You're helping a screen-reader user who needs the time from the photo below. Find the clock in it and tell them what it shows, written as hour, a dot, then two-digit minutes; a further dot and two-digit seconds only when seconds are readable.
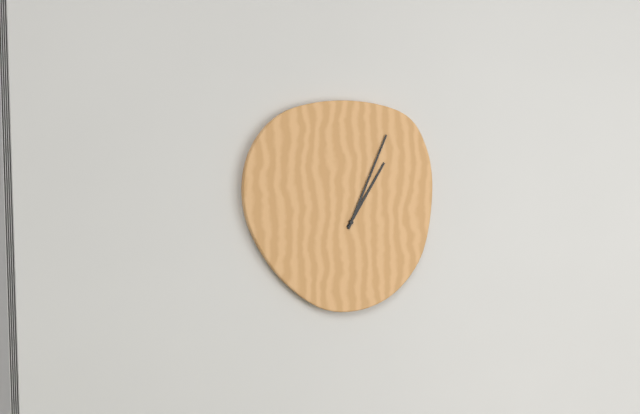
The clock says 1.04
